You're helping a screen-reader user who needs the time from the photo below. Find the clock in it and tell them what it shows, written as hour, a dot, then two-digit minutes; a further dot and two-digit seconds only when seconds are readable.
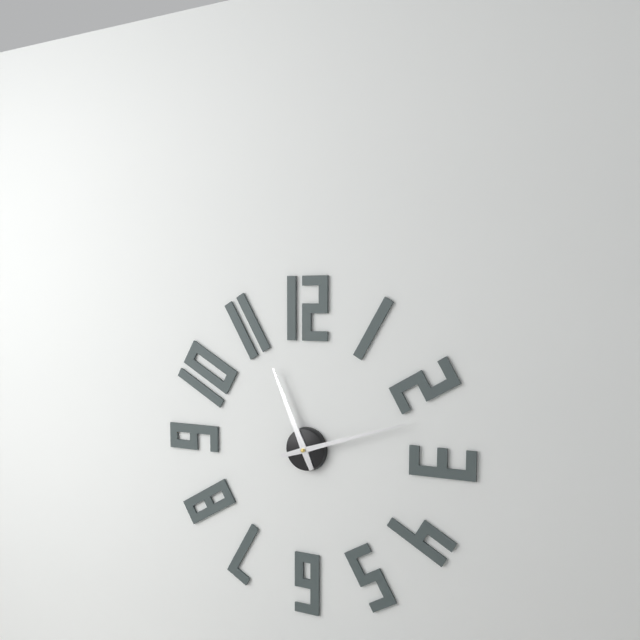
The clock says 11.12
